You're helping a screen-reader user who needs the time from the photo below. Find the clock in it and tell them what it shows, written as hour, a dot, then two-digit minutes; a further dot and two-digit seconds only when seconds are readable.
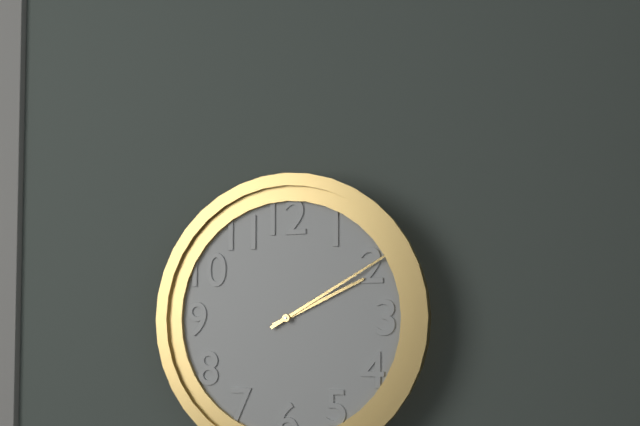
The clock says 2.10
